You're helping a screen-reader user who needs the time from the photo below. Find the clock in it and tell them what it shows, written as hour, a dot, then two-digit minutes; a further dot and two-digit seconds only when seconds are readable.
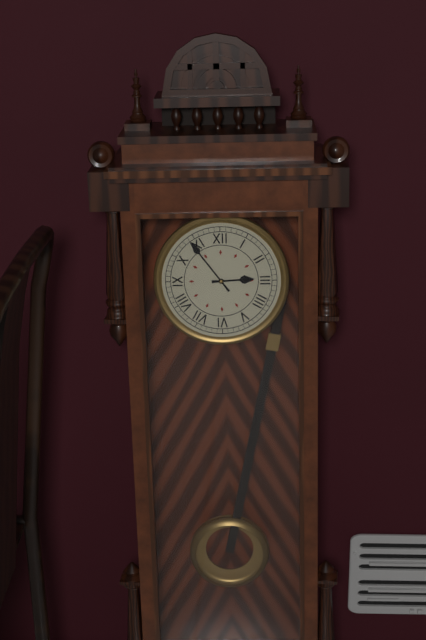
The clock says 2.54
